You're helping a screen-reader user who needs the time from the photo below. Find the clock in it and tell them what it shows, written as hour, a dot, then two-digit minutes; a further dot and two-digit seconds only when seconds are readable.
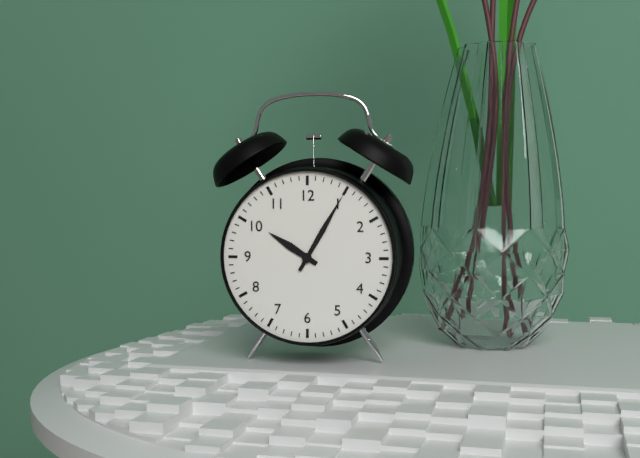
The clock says 10.05
